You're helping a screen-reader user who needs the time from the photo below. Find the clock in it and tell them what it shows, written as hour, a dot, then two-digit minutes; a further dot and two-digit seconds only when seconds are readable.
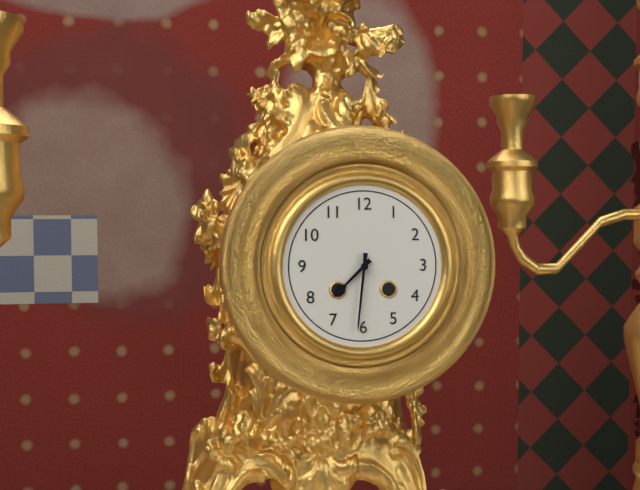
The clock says 7.31
